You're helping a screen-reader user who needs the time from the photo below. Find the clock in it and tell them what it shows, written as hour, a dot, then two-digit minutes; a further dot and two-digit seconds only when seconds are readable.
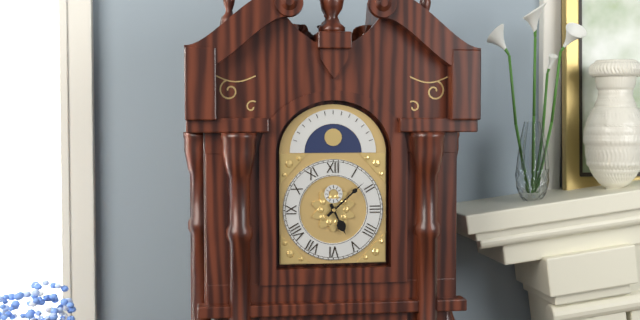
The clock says 5.08
